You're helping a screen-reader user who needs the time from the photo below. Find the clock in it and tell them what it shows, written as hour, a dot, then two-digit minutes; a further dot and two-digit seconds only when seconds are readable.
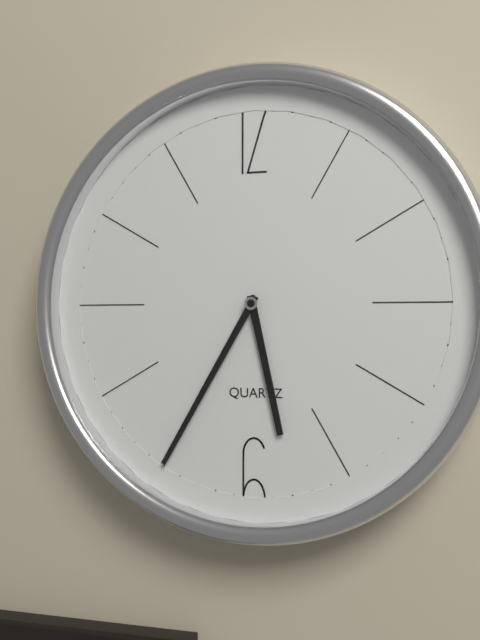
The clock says 5.35
